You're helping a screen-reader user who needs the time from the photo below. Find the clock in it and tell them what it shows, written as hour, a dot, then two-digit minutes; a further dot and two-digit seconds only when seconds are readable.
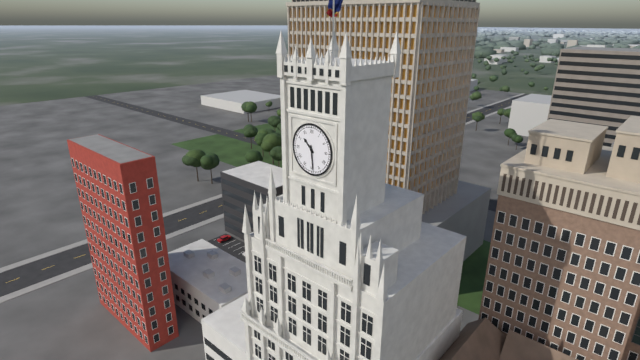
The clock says 10.29
